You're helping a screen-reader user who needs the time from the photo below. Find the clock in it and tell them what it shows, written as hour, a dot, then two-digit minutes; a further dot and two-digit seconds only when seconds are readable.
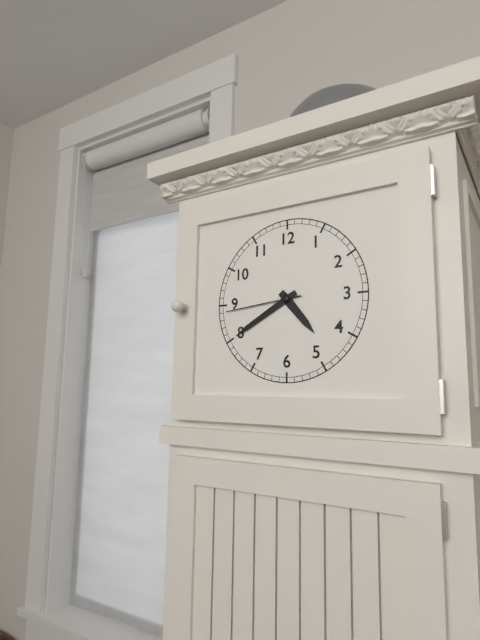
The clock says 4.40.44
